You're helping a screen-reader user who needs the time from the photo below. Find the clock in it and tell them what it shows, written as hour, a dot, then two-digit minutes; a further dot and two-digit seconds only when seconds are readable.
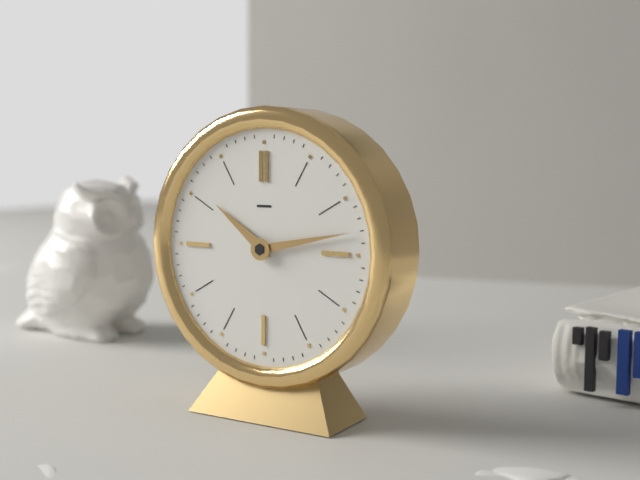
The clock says 10.13
